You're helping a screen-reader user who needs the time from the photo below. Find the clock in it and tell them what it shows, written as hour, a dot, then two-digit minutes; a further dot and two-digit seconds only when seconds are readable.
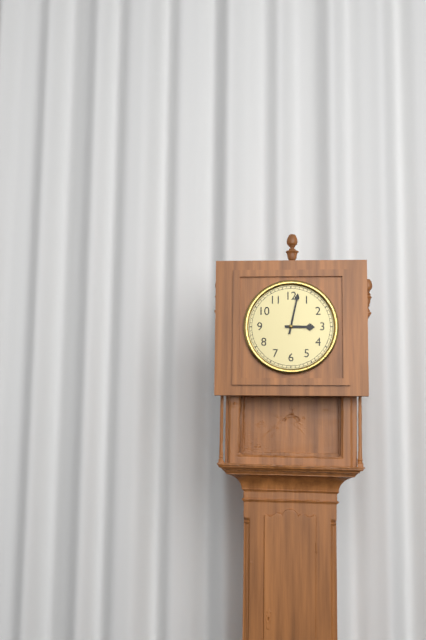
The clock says 3.02
